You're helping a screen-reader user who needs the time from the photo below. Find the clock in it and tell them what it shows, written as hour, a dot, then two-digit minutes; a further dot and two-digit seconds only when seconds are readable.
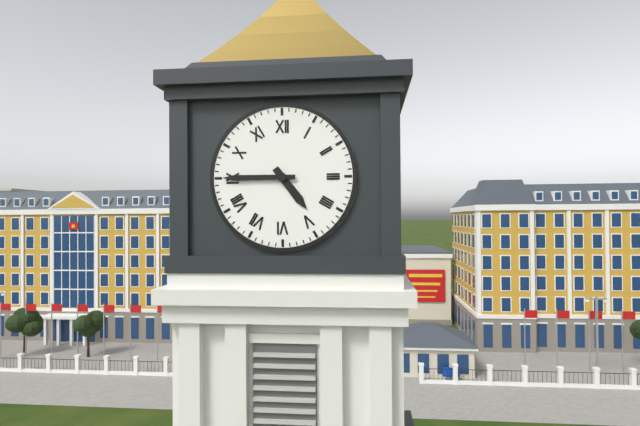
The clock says 4.45
